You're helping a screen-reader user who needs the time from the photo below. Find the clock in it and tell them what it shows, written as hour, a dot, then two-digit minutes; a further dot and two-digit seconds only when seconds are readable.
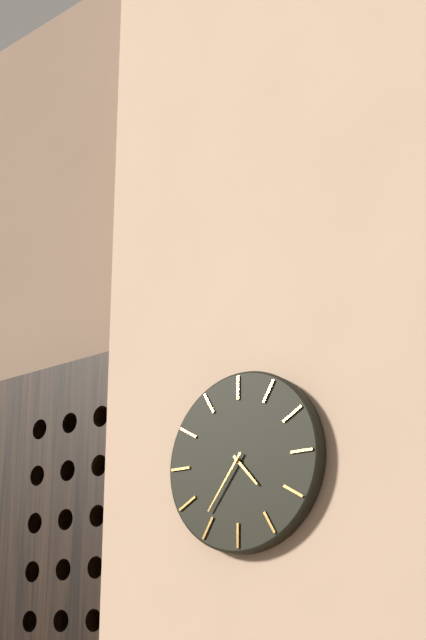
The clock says 4.36
